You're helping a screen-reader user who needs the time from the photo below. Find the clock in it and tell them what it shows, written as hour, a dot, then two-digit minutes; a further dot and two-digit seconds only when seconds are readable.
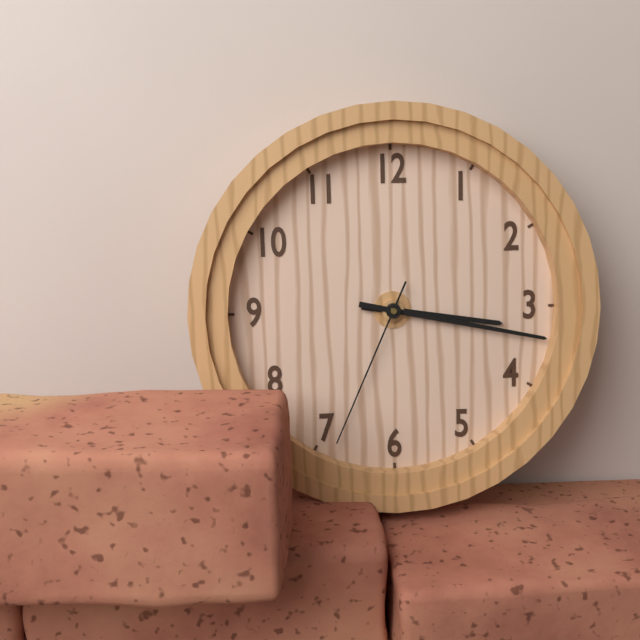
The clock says 3.17.34
